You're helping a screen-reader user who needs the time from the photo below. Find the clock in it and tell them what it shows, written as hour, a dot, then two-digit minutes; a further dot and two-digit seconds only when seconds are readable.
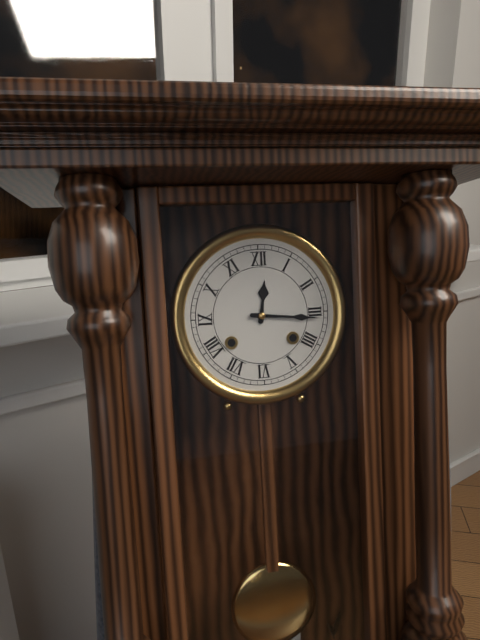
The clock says 12.16
